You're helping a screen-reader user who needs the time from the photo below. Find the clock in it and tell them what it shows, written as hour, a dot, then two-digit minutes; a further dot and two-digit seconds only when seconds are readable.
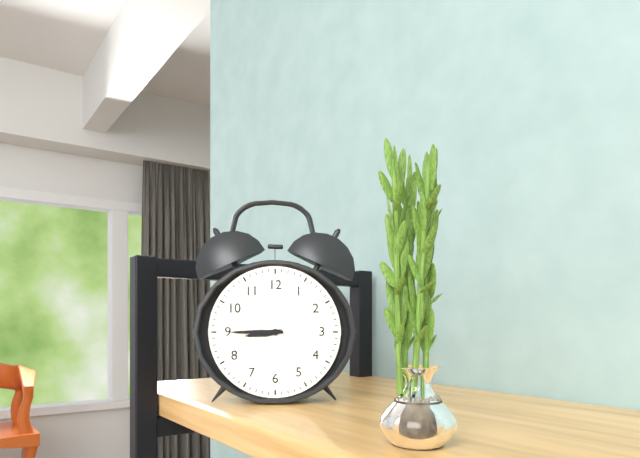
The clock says 8.45
